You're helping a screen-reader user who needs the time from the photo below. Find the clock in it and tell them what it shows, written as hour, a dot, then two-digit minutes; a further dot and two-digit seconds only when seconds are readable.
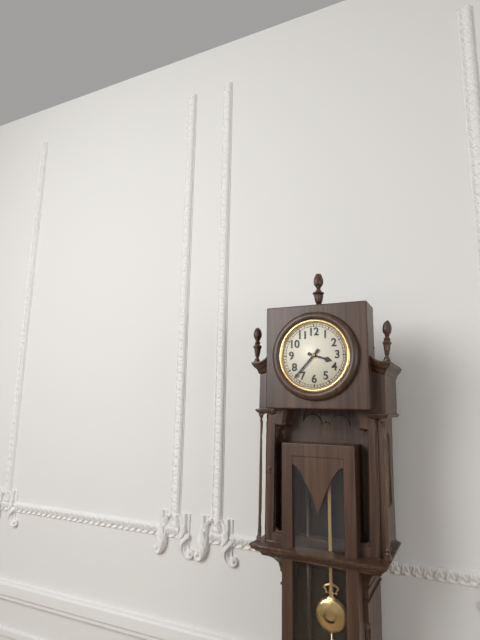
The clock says 3.37
